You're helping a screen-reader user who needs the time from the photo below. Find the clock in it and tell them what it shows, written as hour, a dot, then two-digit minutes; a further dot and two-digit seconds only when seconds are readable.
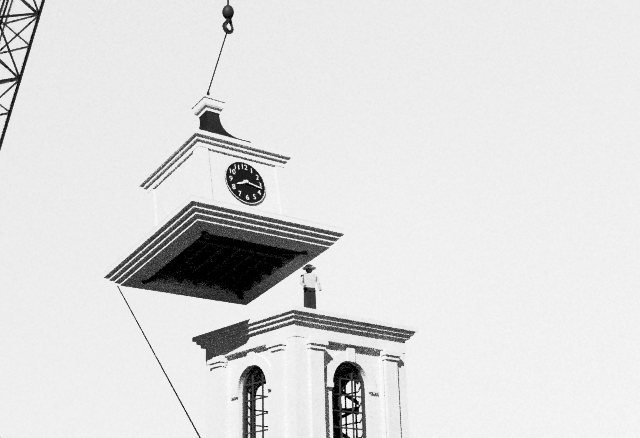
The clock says 8.17
